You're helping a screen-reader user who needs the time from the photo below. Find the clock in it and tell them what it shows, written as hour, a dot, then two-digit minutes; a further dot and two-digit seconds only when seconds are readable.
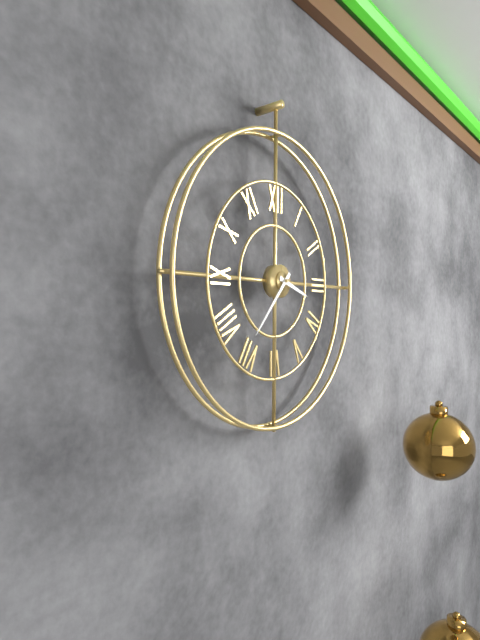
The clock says 3.37
